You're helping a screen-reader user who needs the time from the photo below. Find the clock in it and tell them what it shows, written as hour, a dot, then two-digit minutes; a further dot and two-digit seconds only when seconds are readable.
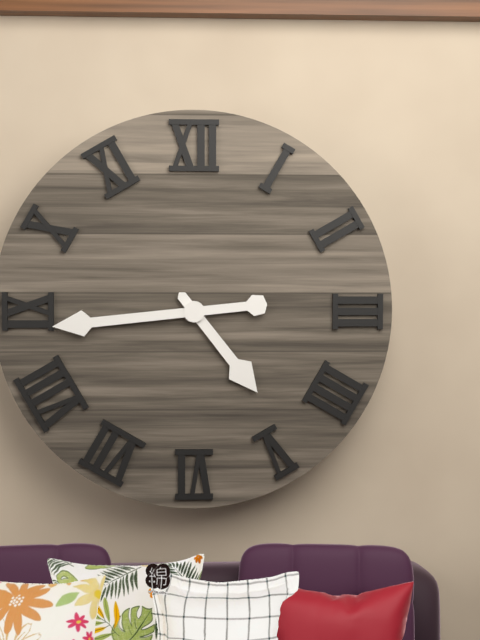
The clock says 4.44
